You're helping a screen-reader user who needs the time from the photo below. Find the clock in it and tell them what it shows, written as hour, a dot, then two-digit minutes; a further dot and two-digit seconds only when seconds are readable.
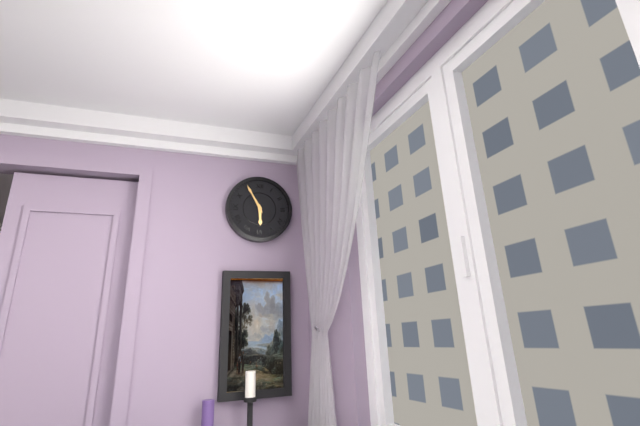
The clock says 5.55
